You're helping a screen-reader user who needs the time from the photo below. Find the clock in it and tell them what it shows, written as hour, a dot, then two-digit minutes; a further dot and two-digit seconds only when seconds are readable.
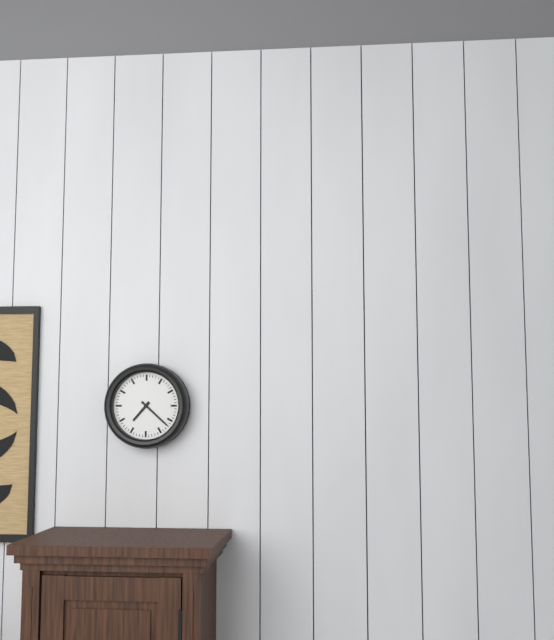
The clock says 7.22
